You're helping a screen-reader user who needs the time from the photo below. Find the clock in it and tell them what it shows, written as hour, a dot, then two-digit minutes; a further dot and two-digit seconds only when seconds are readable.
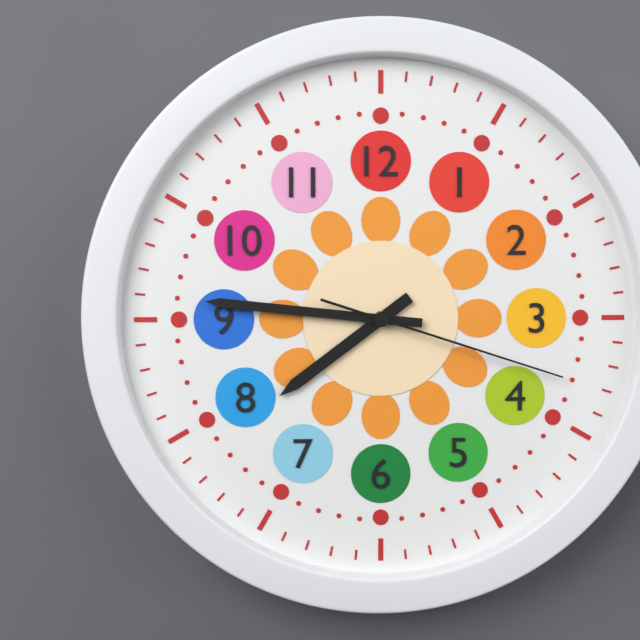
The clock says 7.46.18
